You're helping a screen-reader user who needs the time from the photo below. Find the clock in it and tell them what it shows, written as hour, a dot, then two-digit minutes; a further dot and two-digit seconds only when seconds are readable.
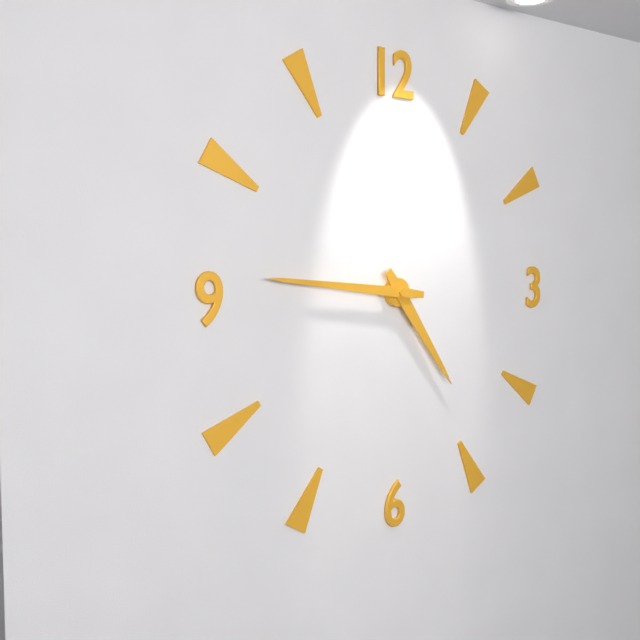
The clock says 4.46
